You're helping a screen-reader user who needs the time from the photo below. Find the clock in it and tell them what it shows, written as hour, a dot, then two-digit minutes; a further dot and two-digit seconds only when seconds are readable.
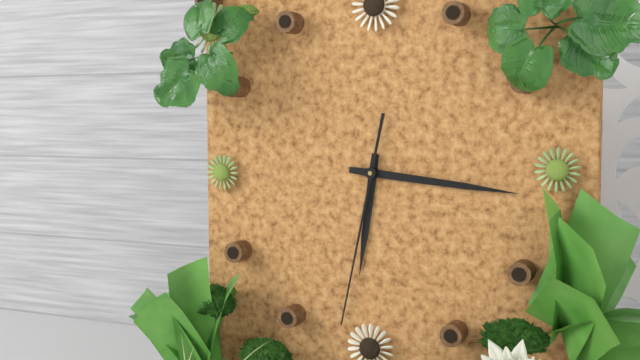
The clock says 6.16.32
